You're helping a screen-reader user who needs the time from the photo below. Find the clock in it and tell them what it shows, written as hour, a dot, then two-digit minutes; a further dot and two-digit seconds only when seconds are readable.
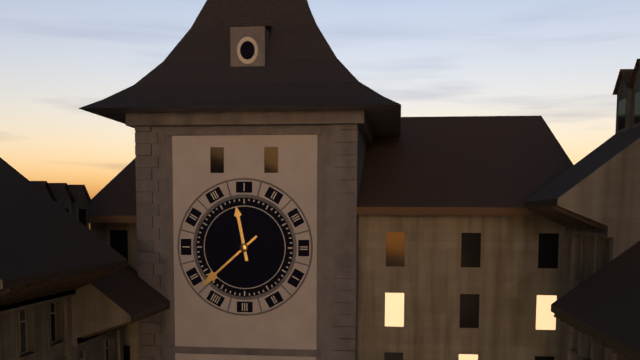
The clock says 11.38
